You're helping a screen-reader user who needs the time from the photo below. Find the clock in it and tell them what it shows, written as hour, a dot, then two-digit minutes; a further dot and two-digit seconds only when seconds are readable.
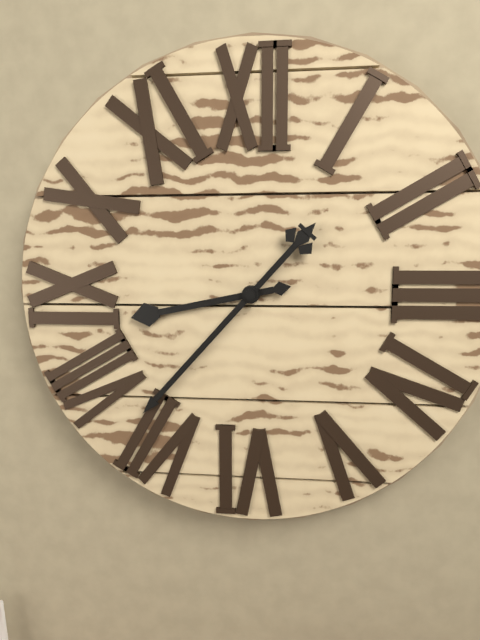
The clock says 8.37
